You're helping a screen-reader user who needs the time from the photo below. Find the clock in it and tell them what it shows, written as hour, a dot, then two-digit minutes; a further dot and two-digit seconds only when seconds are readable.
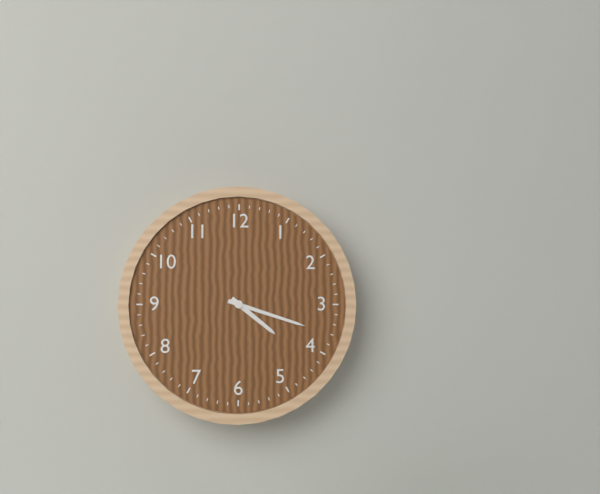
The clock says 4.18
